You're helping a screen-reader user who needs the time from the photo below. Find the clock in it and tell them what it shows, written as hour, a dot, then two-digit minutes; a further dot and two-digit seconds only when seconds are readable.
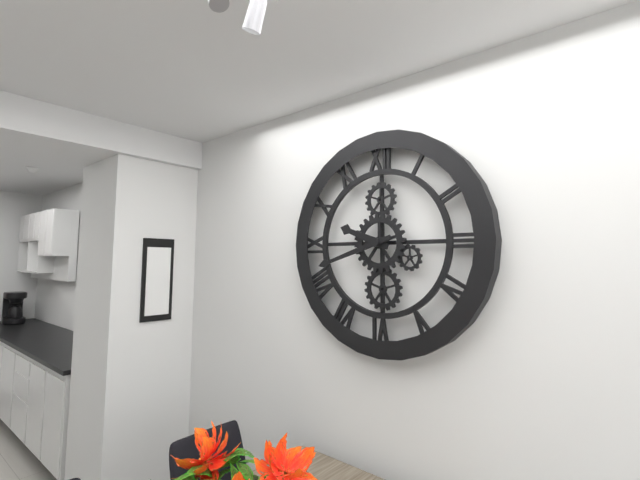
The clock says 9.42
